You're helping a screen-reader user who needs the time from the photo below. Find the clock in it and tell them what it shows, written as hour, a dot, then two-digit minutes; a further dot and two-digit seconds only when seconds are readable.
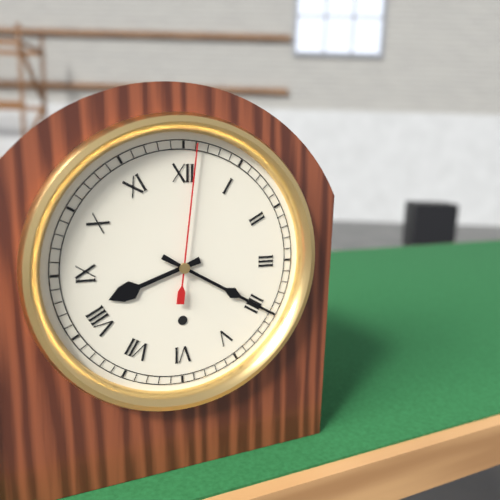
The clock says 8.20.01
